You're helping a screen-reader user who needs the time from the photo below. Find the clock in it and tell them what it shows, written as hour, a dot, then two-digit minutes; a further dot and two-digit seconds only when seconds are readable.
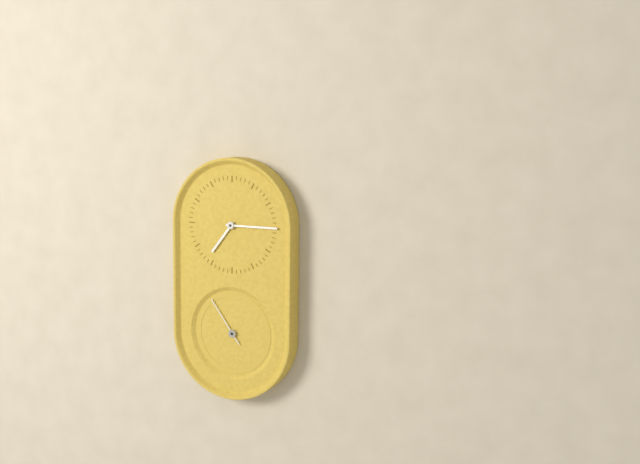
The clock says 7.15.54
